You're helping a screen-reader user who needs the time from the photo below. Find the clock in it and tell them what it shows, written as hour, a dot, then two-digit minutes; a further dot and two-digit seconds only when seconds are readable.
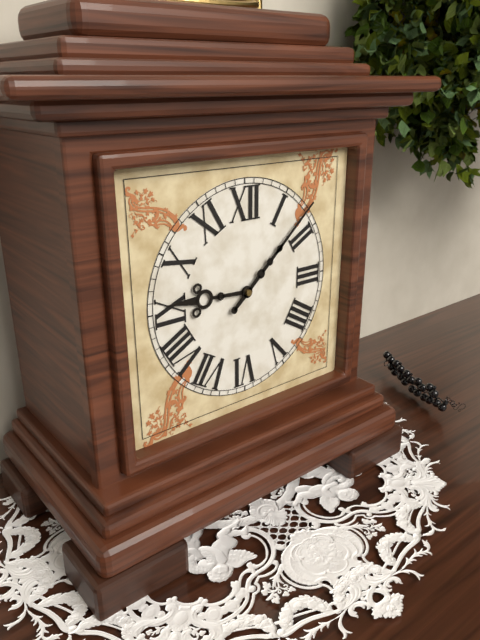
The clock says 9.08
